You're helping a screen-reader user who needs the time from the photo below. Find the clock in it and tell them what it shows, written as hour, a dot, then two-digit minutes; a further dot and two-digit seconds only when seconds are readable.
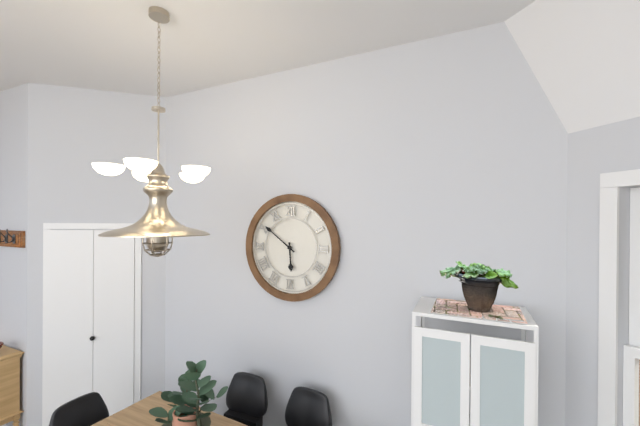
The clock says 5.51
